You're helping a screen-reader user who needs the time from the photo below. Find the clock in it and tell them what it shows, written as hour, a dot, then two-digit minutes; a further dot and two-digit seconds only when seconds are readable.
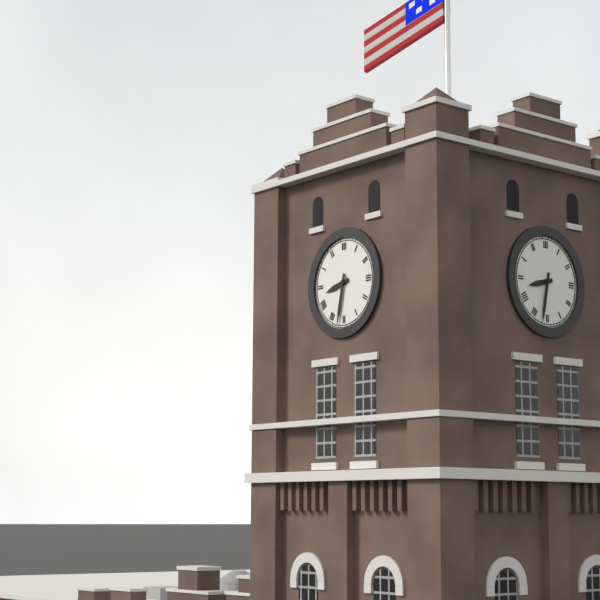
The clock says 8.32
